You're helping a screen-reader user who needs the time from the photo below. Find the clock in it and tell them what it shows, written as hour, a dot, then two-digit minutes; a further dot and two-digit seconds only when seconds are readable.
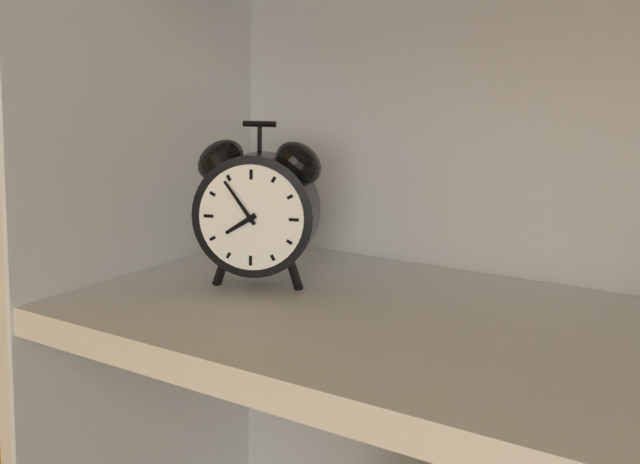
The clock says 7.54
